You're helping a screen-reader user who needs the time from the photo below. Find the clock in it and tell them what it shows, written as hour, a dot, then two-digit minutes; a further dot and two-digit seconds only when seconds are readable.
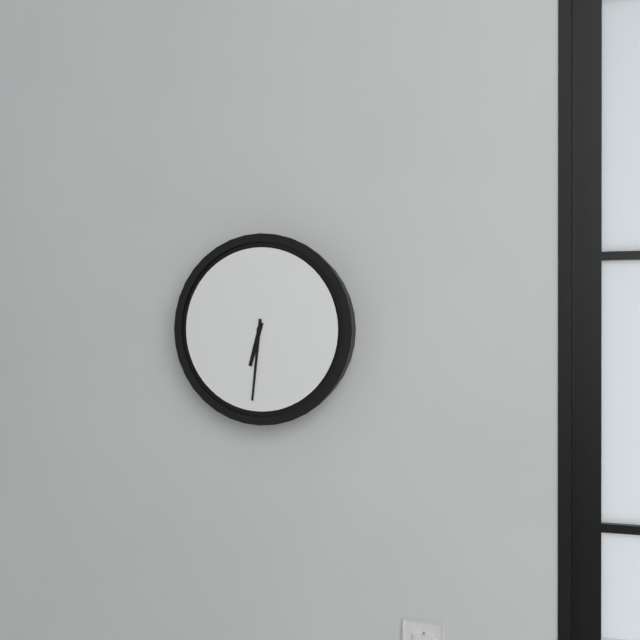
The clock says 6.31
